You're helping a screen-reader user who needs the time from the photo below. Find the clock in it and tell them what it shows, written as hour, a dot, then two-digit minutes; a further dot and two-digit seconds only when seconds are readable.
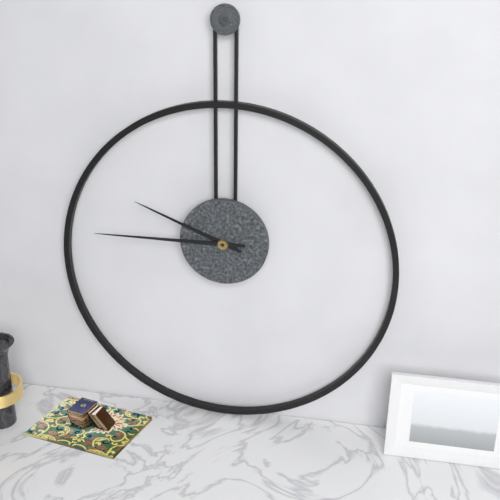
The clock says 9.45
